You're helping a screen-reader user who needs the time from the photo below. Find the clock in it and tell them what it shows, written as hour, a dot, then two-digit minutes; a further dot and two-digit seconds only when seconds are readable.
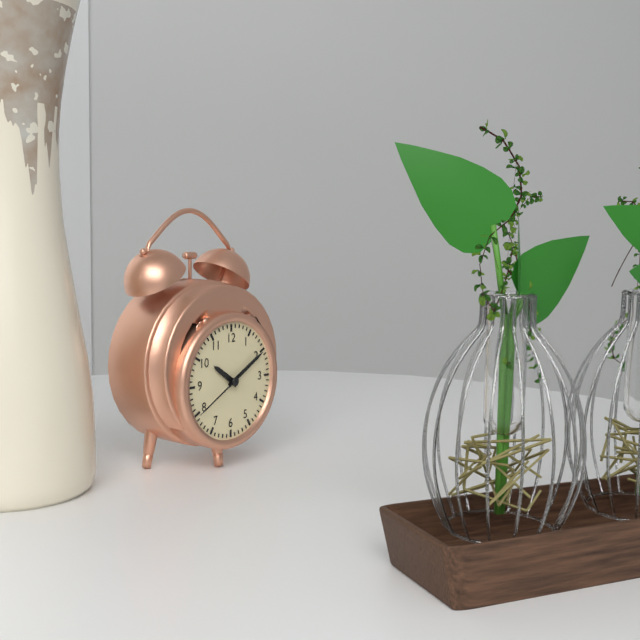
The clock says 10.10.40
